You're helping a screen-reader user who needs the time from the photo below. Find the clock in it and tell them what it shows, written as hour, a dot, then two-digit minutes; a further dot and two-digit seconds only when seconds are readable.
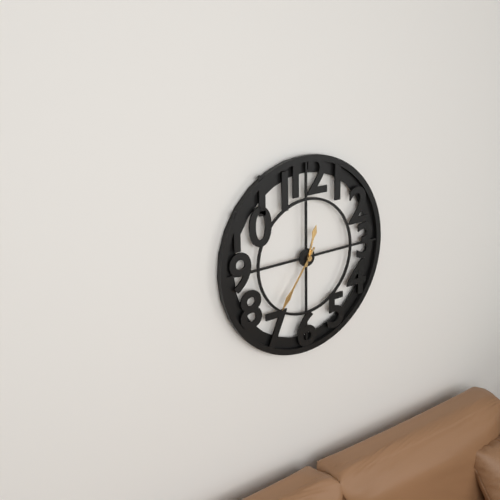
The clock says 12.36
